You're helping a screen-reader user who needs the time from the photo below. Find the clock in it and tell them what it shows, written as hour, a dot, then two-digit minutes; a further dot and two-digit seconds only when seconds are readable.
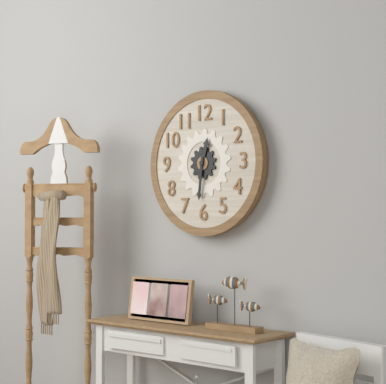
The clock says 12.31
